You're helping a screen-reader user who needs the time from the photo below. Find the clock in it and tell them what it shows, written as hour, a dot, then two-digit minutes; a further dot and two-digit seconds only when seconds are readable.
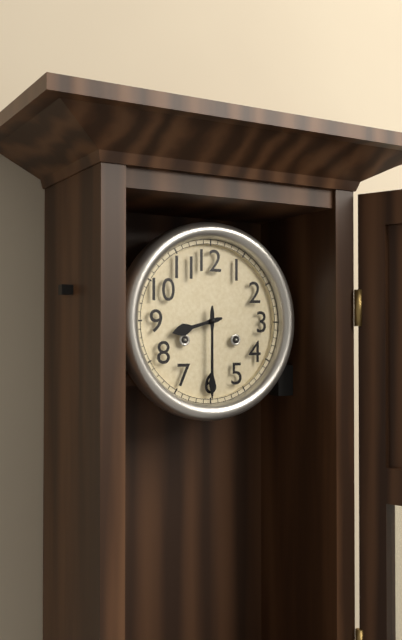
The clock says 8.30
